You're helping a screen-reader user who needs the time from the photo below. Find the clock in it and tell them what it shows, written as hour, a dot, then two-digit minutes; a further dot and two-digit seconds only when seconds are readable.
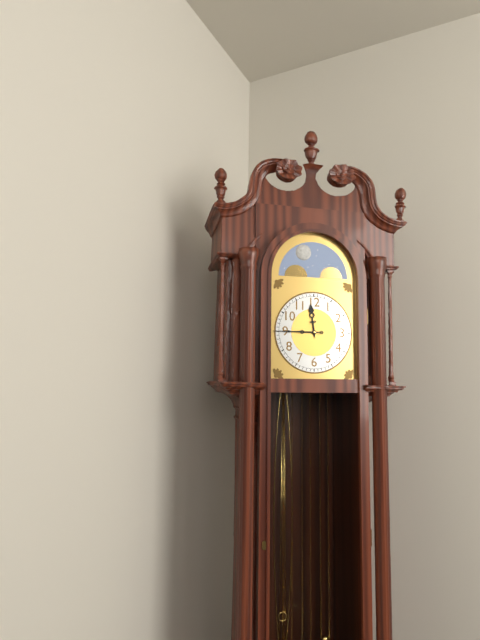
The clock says 11.45
